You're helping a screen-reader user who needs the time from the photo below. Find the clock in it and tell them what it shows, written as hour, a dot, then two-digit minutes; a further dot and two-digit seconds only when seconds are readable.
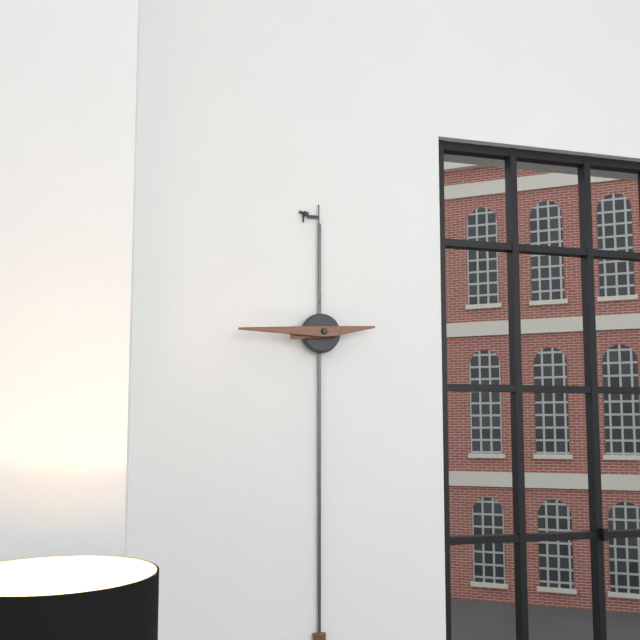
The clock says 2.45
